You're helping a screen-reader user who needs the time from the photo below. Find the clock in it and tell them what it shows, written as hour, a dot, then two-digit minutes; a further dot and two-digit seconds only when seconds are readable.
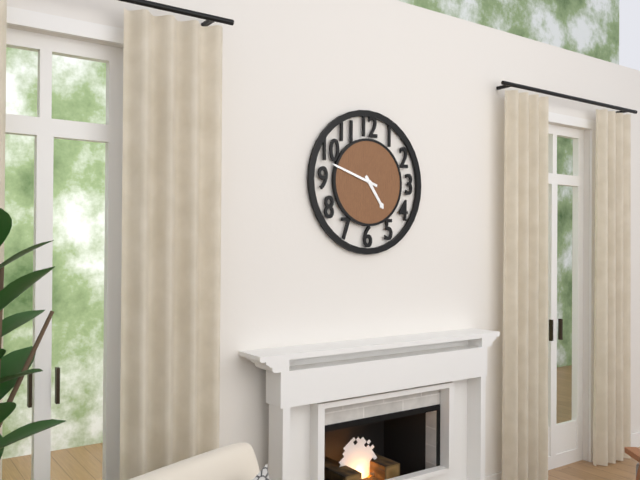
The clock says 4.48
